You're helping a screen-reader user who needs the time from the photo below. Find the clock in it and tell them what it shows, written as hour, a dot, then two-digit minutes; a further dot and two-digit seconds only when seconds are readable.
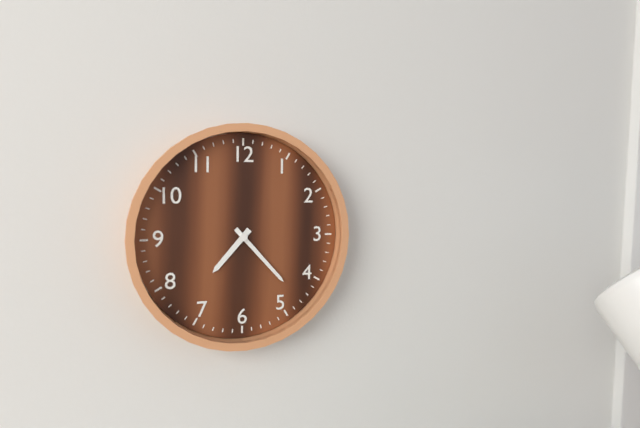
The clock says 7.23
